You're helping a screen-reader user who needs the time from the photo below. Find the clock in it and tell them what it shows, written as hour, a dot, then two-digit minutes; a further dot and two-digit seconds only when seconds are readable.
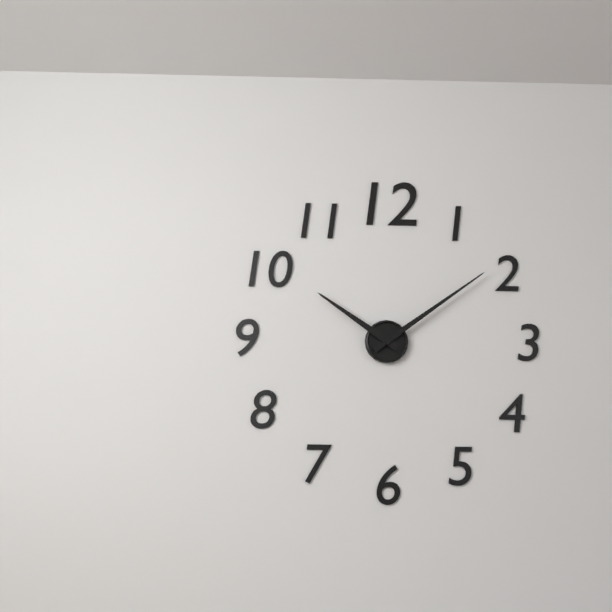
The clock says 10.09
